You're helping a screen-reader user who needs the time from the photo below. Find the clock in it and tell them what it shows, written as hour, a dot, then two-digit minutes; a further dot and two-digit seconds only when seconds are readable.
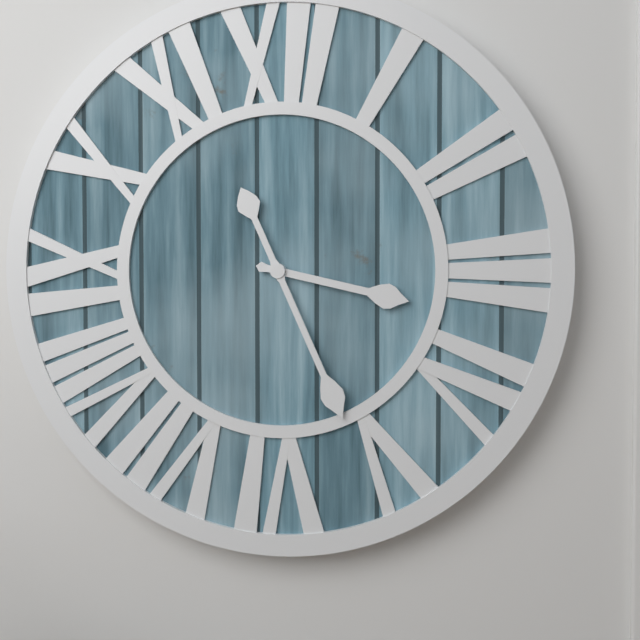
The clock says 3.26
